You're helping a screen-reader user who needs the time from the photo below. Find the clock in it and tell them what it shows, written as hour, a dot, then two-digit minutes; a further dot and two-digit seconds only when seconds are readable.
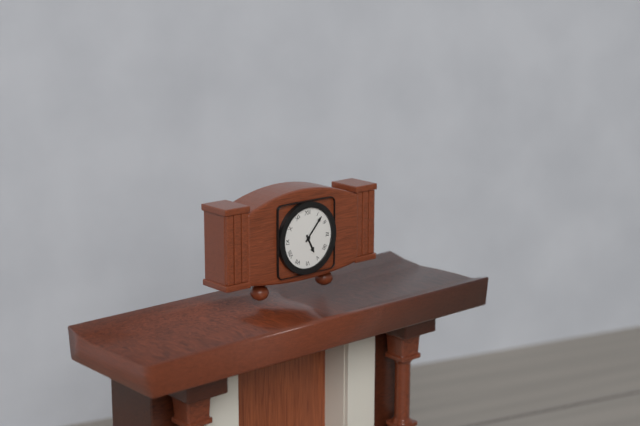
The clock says 5.07
